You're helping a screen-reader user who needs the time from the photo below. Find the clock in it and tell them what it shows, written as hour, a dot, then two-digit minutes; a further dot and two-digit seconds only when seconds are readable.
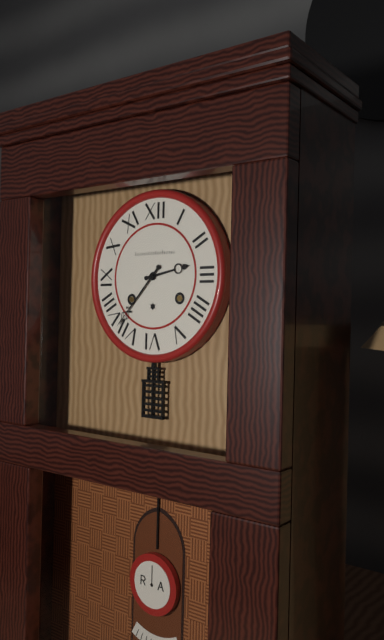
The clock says 2.37
